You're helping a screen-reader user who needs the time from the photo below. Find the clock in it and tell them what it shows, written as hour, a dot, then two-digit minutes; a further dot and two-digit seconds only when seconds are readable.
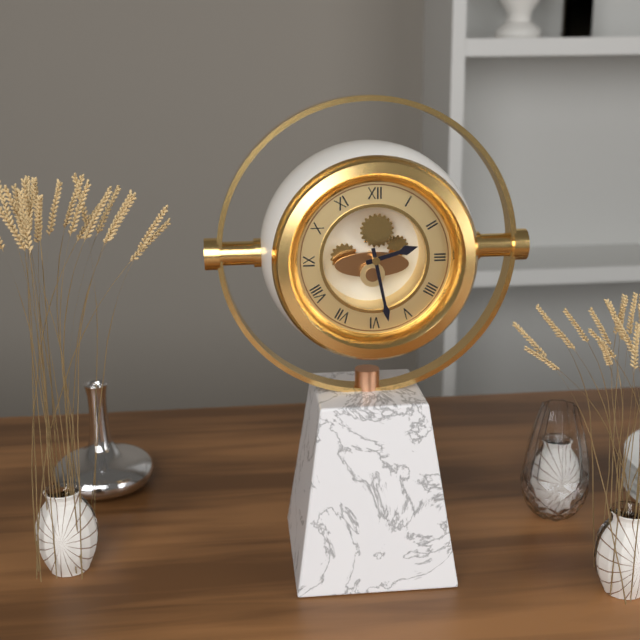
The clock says 2.28
